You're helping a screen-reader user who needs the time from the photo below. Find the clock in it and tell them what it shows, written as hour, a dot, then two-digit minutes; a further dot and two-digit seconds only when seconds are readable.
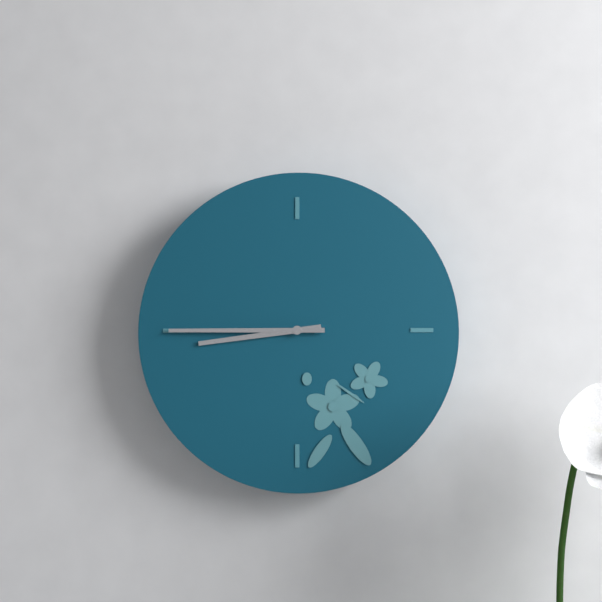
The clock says 8.45
